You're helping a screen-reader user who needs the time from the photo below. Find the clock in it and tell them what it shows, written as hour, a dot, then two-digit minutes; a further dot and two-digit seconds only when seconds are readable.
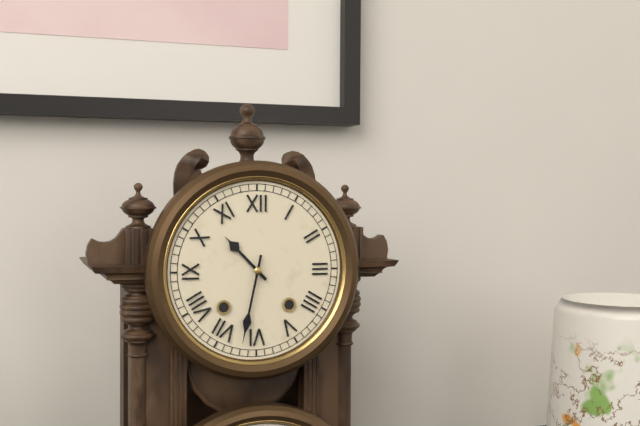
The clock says 10.32
